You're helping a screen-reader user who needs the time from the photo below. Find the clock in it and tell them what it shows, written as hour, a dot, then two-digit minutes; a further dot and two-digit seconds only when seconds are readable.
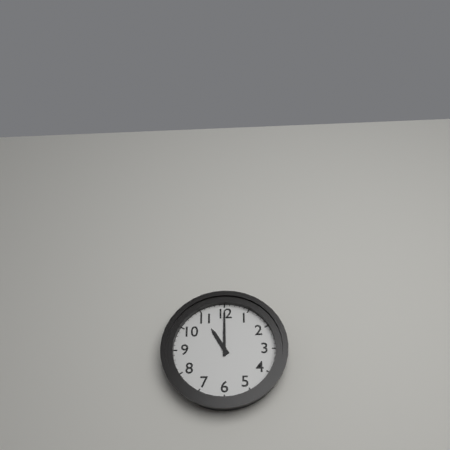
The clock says 11.00
